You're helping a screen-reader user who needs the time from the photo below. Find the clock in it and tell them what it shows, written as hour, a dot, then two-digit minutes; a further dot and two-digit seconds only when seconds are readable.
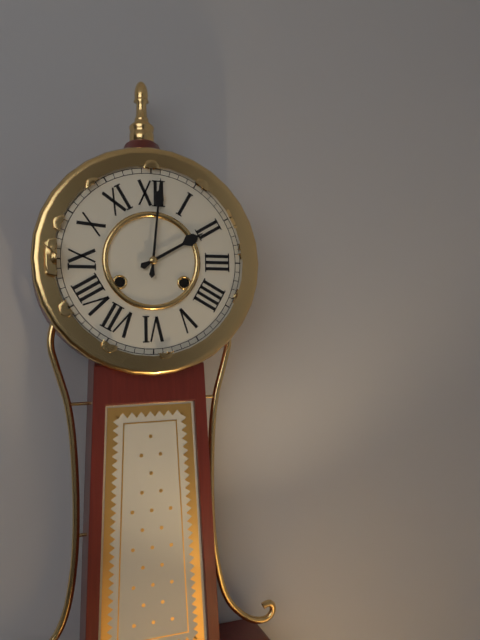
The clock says 2.01
